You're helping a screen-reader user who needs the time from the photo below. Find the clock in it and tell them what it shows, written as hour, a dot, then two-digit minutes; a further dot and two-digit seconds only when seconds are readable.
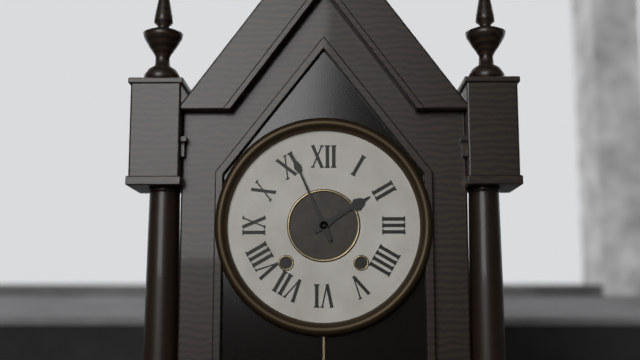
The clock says 1.56
